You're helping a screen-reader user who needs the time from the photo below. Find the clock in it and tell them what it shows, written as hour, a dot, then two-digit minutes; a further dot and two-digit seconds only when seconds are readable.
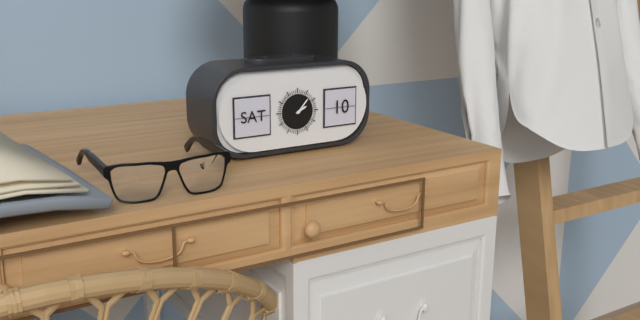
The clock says 2.07
